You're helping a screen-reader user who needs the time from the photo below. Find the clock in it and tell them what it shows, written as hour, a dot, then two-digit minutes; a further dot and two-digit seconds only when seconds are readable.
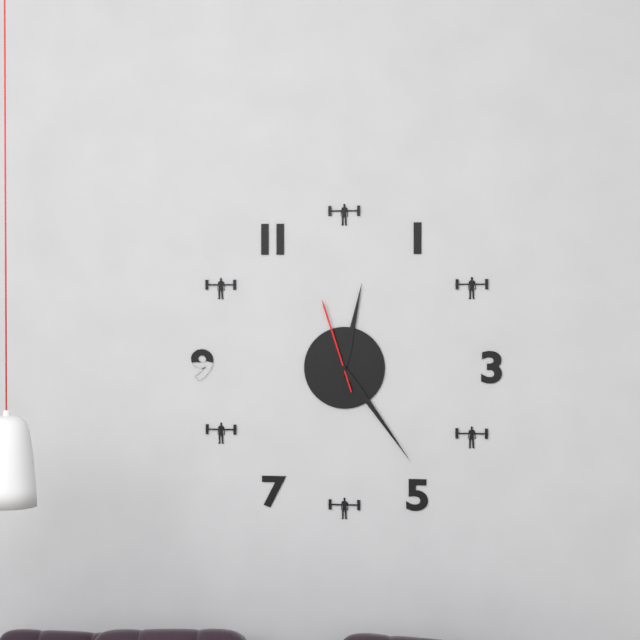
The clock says 12.24.57
